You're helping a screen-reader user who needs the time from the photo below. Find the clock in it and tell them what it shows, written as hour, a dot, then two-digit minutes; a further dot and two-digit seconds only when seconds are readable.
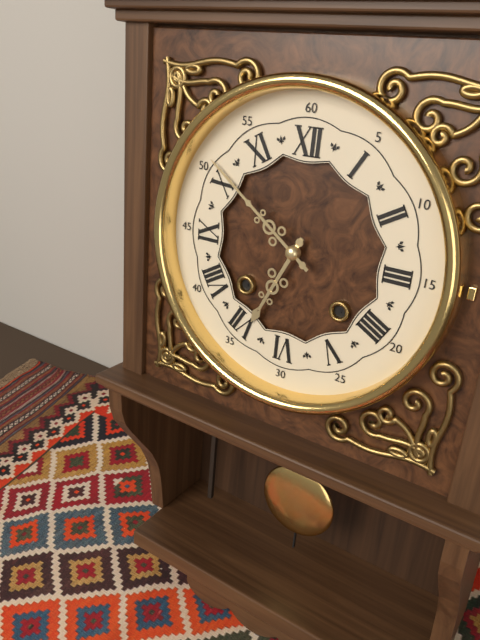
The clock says 6.51
